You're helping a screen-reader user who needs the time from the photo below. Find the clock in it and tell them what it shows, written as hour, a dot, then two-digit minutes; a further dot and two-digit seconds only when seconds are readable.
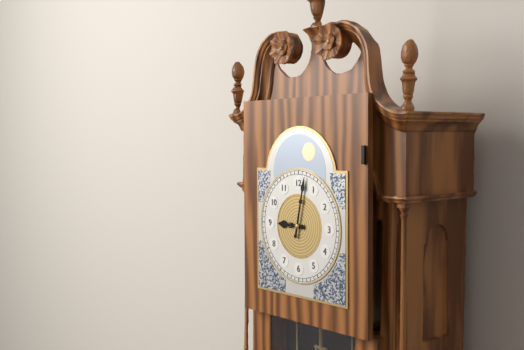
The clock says 9.02
